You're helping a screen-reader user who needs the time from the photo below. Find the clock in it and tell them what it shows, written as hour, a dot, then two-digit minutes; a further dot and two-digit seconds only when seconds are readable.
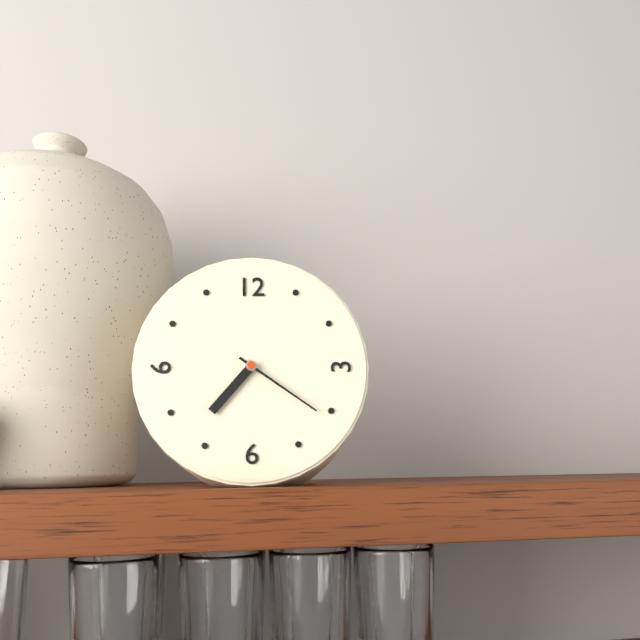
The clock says 7.21
